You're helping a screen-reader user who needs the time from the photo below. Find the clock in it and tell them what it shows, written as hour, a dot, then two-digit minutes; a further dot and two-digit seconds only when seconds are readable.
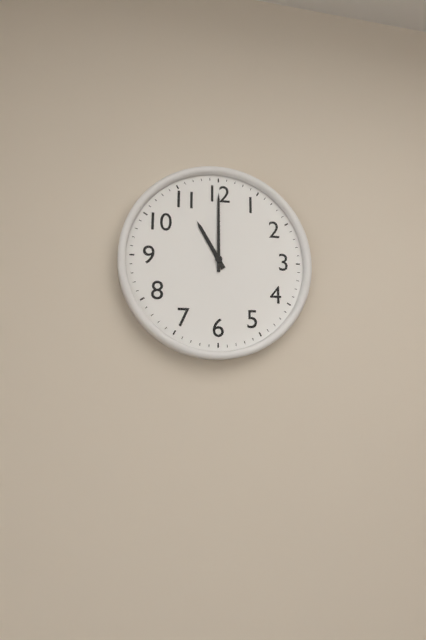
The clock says 11.00
